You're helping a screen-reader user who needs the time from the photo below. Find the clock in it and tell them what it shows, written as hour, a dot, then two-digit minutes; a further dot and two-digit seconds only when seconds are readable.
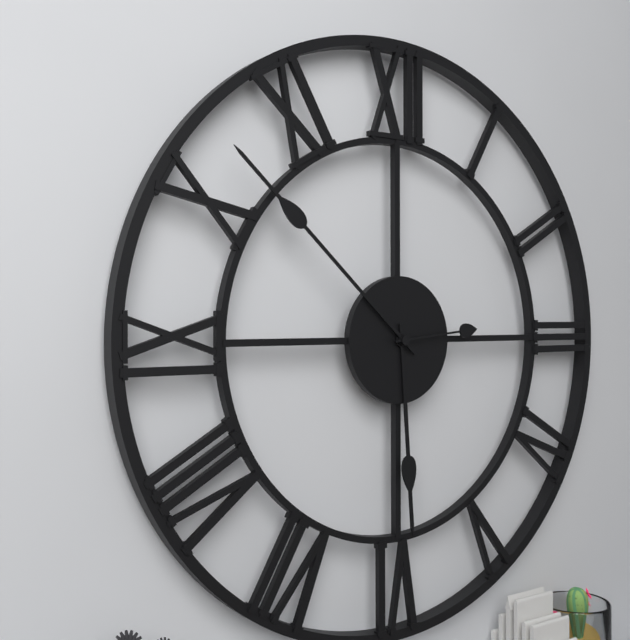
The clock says 5.52.14
